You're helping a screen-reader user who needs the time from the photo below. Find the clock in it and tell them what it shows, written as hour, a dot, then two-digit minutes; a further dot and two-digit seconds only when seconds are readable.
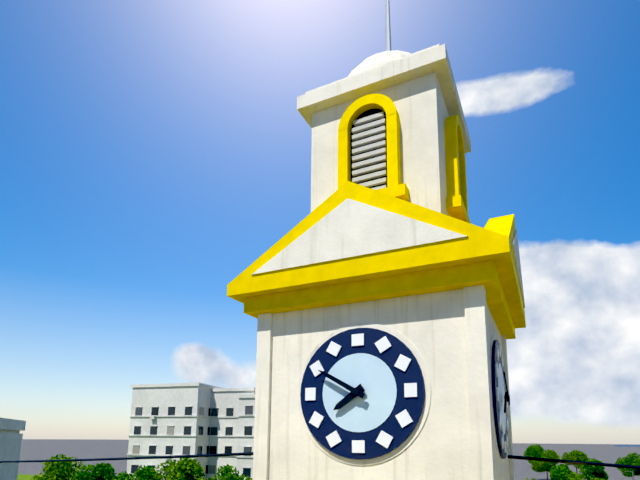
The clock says 7.50
